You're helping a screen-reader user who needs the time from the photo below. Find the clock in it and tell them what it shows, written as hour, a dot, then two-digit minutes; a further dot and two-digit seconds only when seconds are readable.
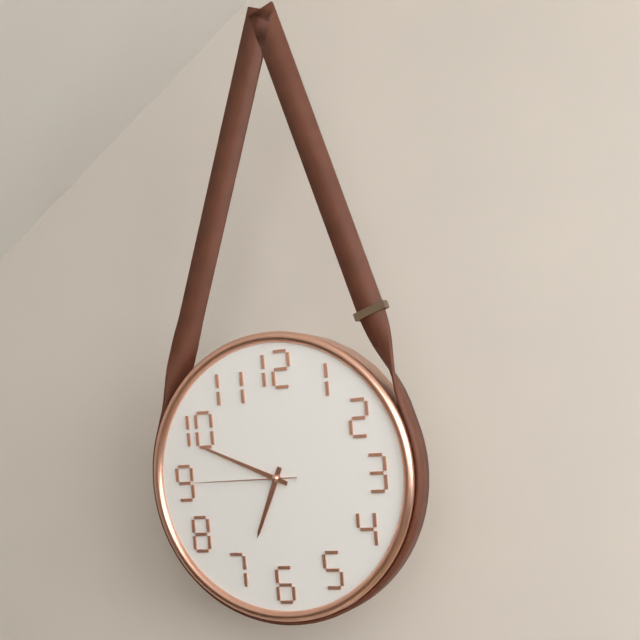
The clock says 6.49.45
